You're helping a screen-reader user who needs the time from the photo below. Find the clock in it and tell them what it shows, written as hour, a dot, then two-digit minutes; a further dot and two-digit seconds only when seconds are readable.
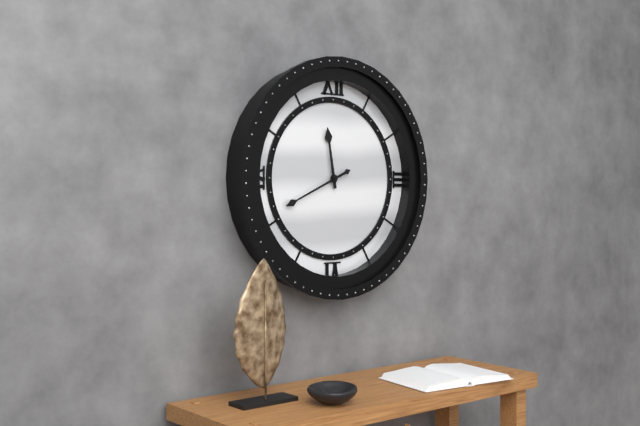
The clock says 11.41
